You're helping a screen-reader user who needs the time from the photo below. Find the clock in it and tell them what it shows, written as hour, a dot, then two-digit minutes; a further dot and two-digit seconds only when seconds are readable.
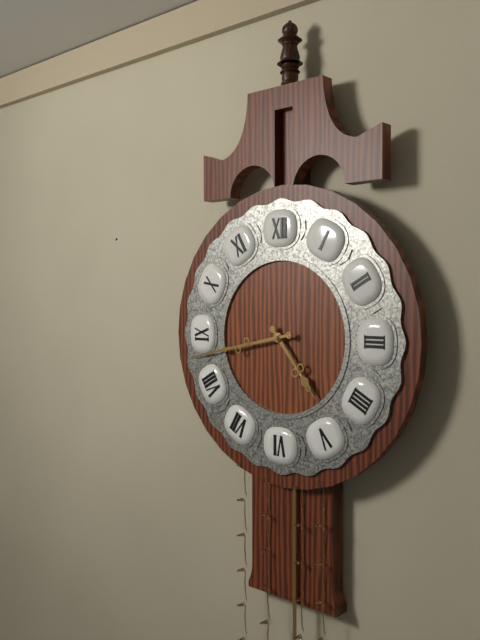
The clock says 4.43
